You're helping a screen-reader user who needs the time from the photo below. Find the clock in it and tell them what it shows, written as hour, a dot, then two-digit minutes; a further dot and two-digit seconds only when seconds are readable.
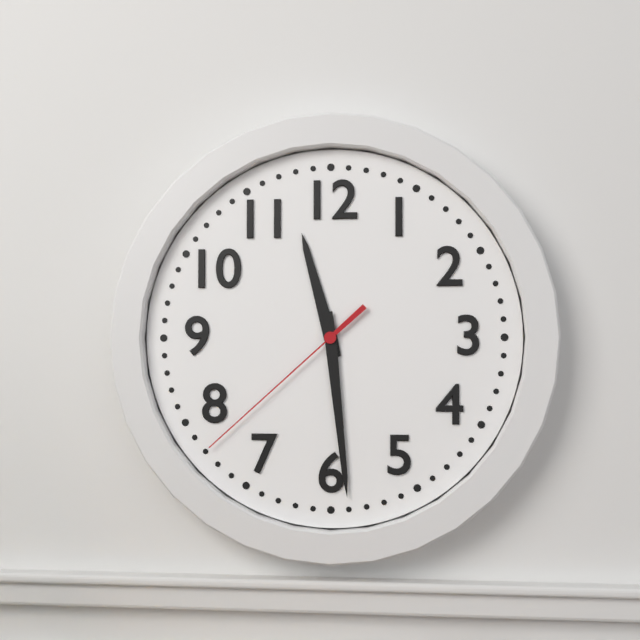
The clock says 11.29.38
